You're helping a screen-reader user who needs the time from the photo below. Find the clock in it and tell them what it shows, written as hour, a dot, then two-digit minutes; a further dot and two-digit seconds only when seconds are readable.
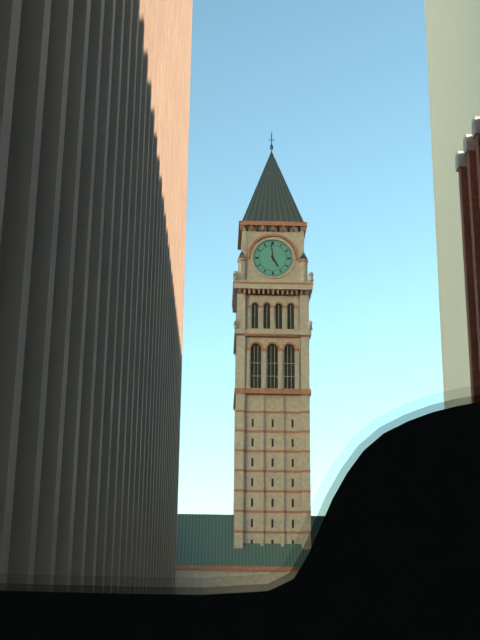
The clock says 4.59
